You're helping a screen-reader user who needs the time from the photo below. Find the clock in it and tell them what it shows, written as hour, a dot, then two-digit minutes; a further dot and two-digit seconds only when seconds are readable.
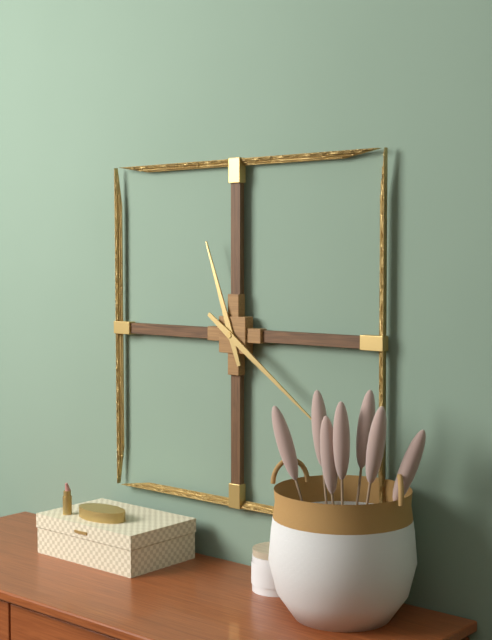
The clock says 11.21
